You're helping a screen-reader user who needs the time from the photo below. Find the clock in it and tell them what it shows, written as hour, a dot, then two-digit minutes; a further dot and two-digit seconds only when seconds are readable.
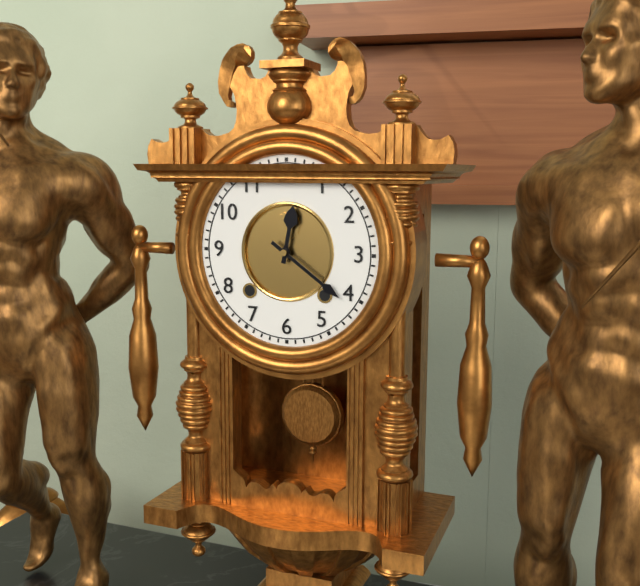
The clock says 12.21
